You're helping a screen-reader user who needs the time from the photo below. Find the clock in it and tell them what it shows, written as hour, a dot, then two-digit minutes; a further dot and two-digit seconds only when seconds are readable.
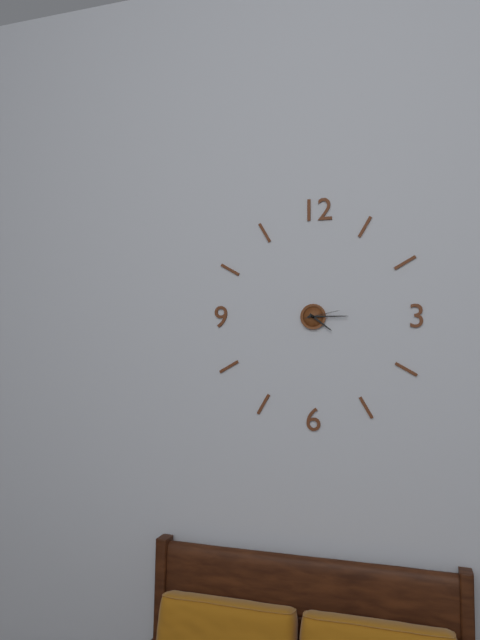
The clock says 4.15
